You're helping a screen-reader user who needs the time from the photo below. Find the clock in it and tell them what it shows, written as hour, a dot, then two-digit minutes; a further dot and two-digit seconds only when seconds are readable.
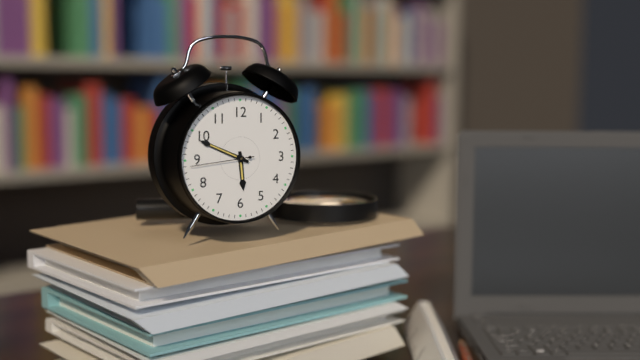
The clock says 5.49.44
